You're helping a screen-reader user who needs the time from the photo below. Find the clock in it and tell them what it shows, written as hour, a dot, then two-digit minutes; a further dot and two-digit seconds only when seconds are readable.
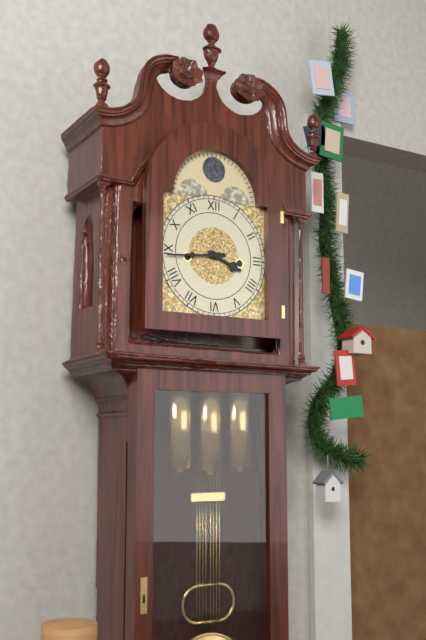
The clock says 3.44
